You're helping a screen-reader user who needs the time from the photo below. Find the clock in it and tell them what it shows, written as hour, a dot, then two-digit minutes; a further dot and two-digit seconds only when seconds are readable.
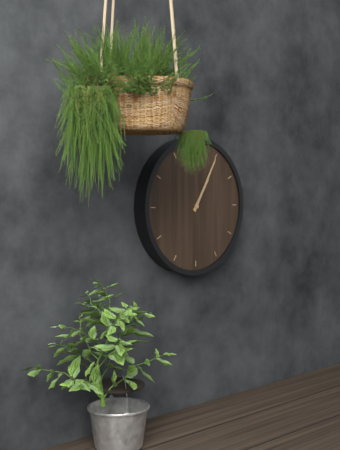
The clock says 1.05
